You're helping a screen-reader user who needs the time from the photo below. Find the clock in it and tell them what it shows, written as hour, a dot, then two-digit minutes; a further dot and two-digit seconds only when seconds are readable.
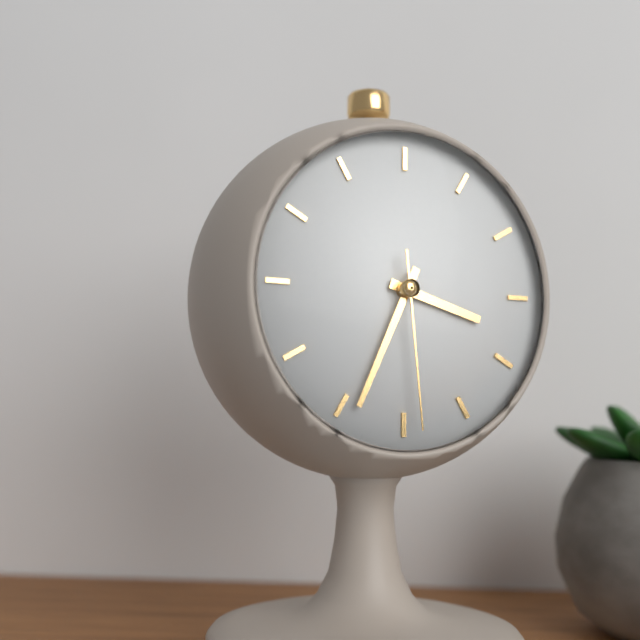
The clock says 3.34.29
